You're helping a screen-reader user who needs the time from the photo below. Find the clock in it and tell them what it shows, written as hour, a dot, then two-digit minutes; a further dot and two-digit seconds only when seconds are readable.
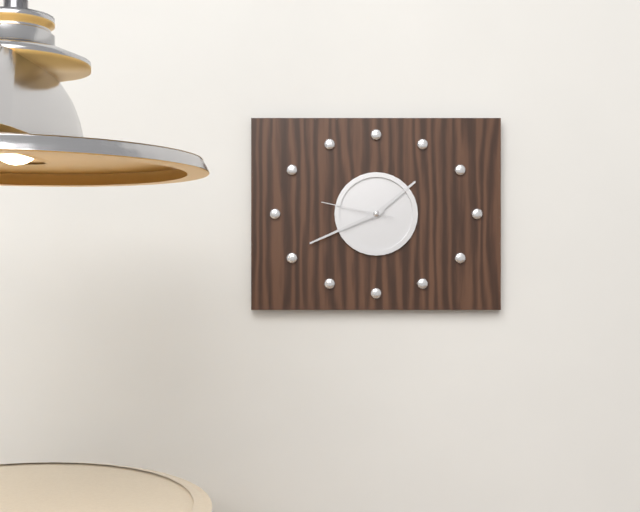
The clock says 1.41.47
